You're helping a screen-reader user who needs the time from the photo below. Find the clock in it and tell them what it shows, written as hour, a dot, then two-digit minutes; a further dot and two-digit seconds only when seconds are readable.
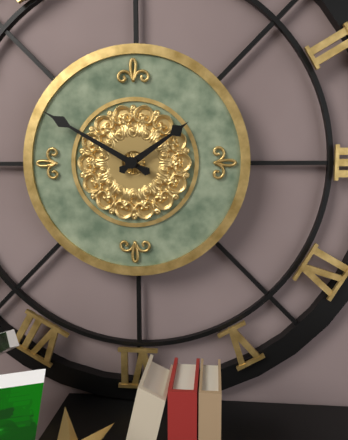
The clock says 1.50
